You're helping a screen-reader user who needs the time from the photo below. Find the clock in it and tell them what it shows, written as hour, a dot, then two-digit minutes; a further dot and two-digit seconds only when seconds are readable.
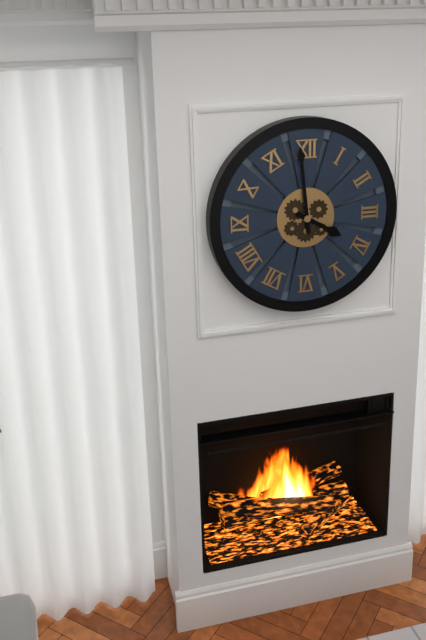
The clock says 3.59
